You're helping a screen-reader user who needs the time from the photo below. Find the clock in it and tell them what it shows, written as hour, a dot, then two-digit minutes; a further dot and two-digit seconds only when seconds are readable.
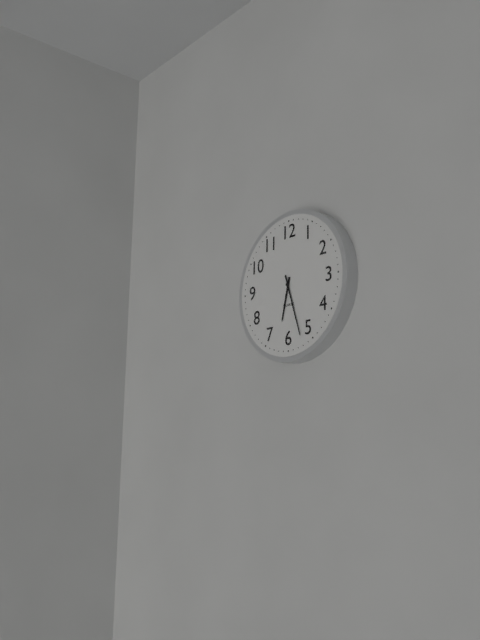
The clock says 6.27
